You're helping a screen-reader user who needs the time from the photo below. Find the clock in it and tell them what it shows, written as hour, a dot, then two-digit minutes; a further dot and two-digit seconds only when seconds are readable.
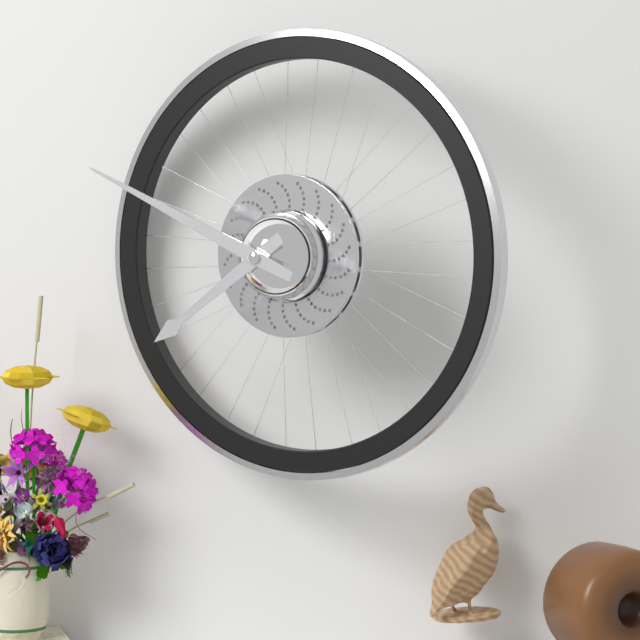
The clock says 7.49
